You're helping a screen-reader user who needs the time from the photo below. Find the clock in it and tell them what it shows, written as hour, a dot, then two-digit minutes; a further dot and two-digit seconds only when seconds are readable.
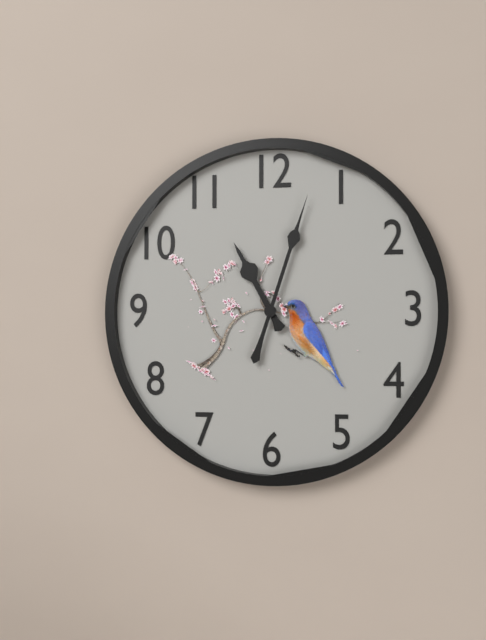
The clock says 11.03
